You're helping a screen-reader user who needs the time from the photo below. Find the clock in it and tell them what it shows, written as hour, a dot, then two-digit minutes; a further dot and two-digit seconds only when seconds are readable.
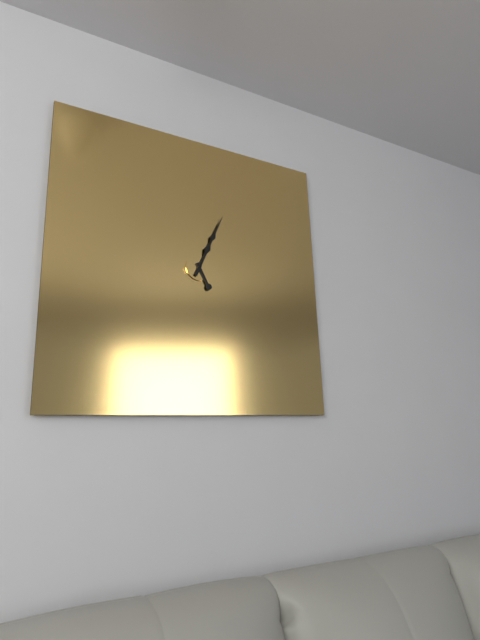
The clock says 5.04
